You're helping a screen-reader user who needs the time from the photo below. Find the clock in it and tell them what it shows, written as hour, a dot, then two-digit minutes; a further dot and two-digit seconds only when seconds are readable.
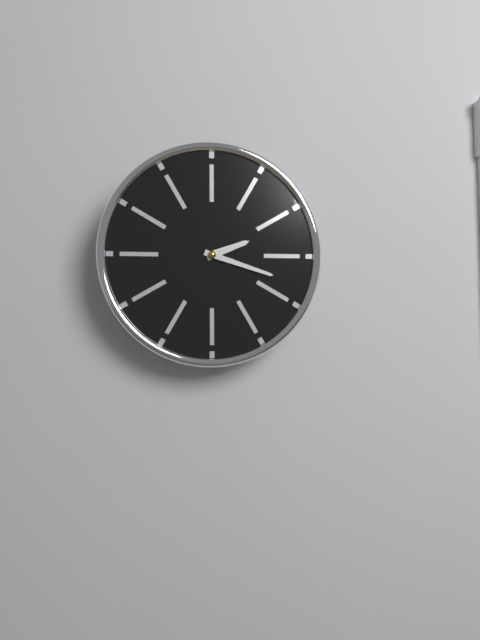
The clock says 2.18
